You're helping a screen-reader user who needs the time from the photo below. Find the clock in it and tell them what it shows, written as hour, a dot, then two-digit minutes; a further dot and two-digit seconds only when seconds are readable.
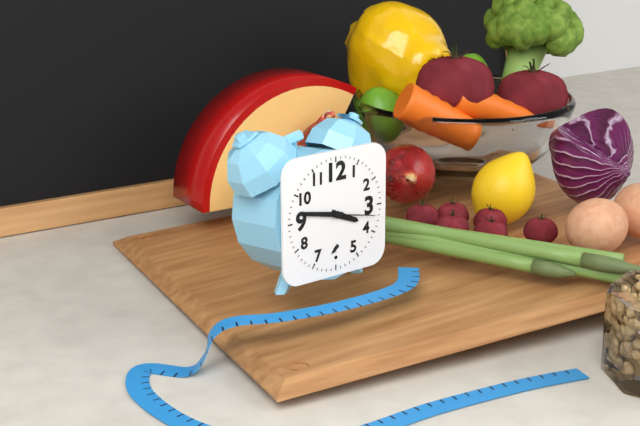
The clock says 3.47.17
